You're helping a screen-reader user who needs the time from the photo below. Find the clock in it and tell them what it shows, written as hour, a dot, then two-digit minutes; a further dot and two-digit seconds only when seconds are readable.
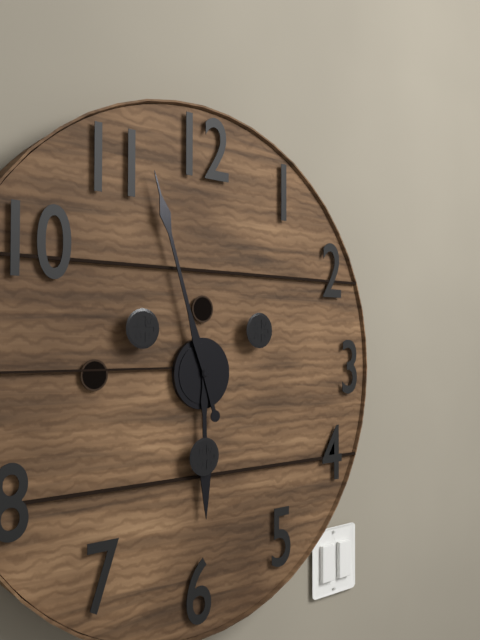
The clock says 5.57
